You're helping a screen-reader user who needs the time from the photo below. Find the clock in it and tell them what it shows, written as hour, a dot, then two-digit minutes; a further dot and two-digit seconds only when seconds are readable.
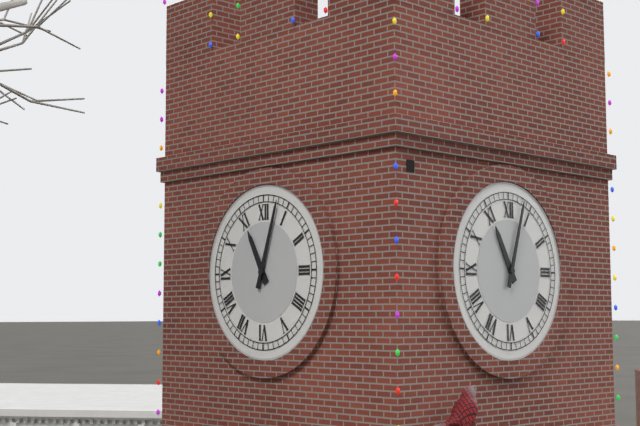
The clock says 11.03
